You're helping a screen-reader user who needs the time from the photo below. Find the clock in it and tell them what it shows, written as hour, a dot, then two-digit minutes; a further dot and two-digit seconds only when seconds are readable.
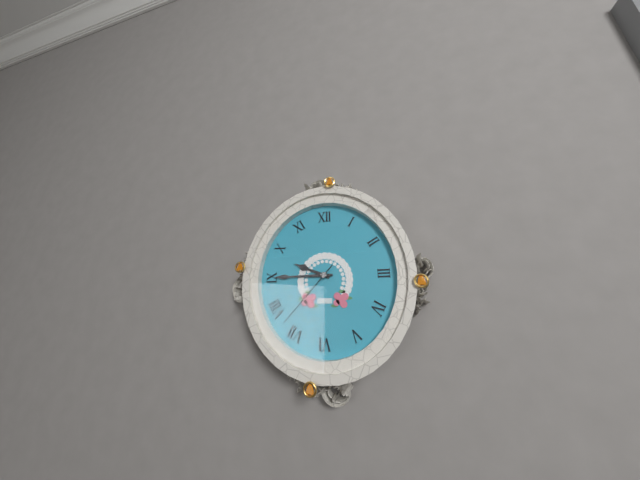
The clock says 9.45.37
